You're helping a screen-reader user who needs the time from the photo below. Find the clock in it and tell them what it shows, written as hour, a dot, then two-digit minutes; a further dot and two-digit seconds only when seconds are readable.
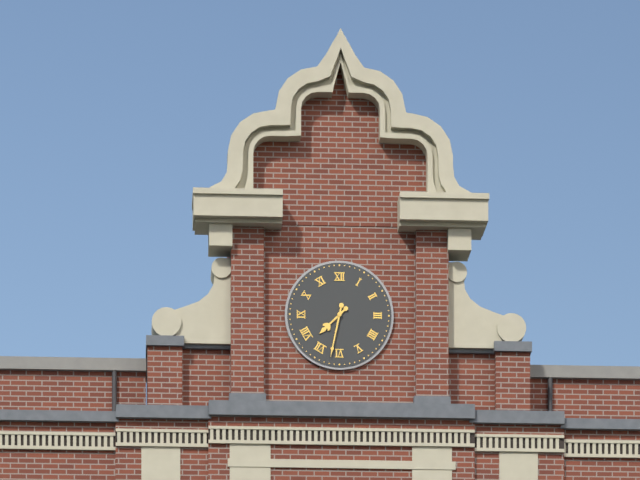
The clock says 7.32
